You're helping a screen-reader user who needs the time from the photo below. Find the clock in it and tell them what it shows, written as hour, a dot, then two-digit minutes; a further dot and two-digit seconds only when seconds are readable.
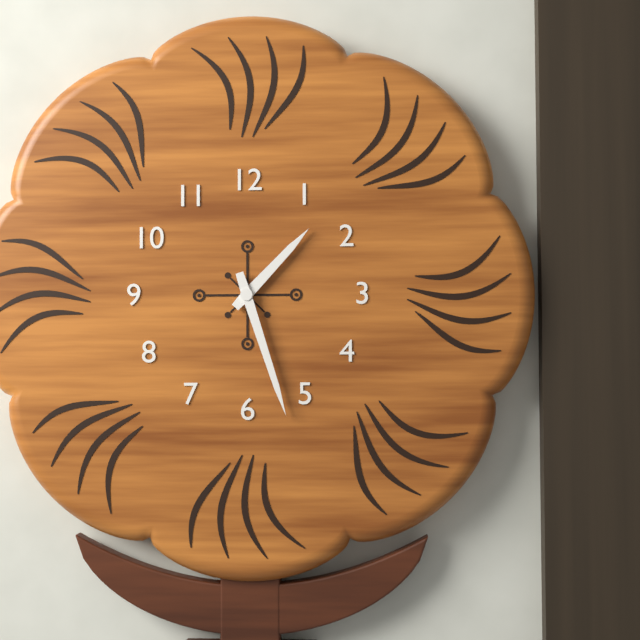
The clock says 1.27
